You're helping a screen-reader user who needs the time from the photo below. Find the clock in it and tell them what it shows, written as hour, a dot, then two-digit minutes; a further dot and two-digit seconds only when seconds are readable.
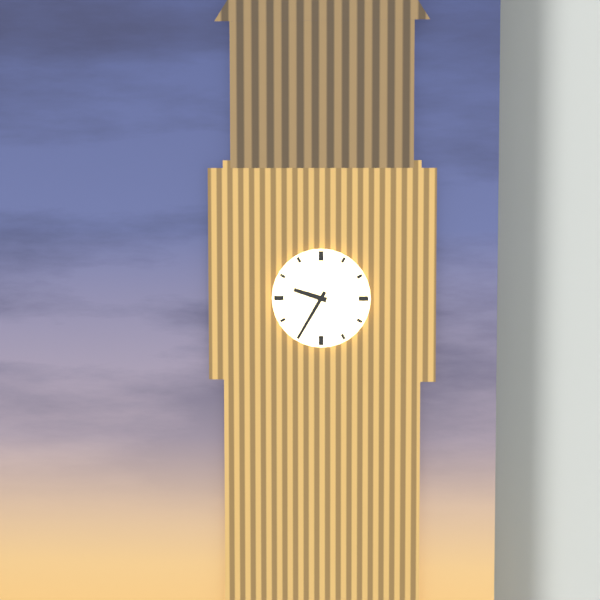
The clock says 9.35
